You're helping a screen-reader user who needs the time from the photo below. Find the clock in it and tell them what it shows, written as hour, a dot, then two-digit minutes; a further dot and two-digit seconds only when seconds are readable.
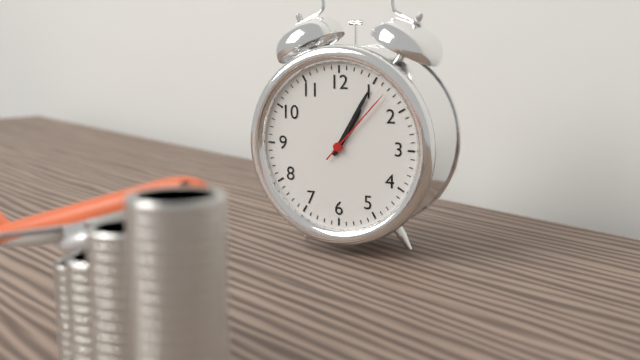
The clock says 1.05.07
